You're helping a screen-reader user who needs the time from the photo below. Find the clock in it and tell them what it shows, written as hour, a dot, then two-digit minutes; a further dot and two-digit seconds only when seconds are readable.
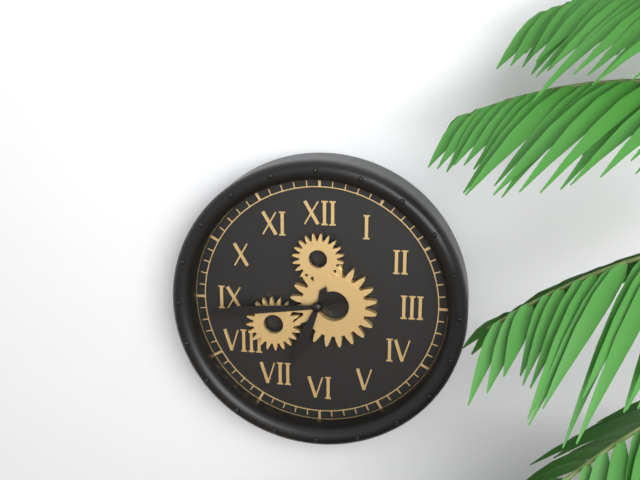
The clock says 6.44
